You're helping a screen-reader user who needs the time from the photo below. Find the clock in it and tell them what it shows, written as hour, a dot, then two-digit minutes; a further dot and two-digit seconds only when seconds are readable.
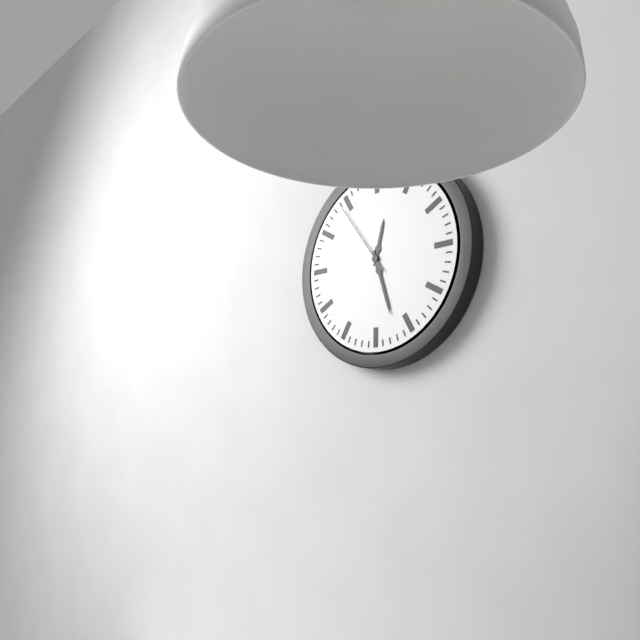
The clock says 12.27.54
